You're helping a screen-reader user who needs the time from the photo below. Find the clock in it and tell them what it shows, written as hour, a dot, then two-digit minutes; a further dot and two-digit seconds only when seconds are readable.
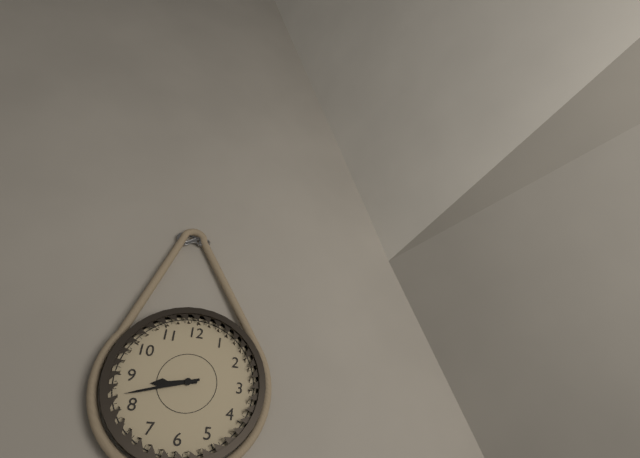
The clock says 8.42
